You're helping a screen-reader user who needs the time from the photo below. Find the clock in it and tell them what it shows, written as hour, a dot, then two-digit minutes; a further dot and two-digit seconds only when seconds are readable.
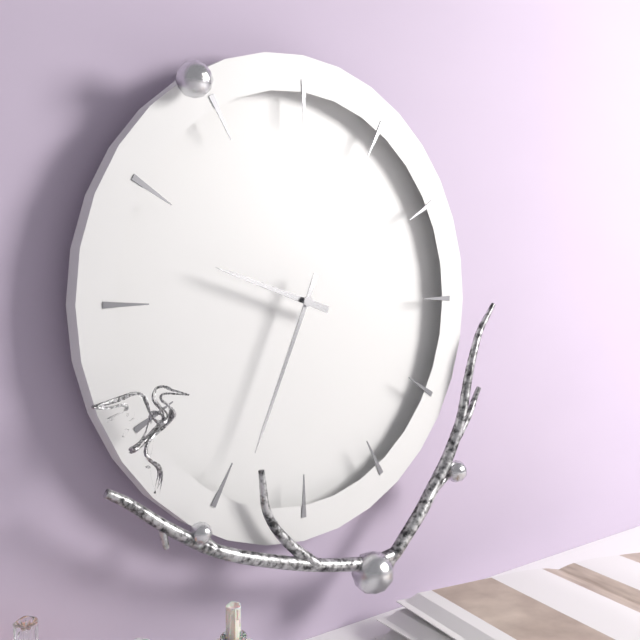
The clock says 9.34
